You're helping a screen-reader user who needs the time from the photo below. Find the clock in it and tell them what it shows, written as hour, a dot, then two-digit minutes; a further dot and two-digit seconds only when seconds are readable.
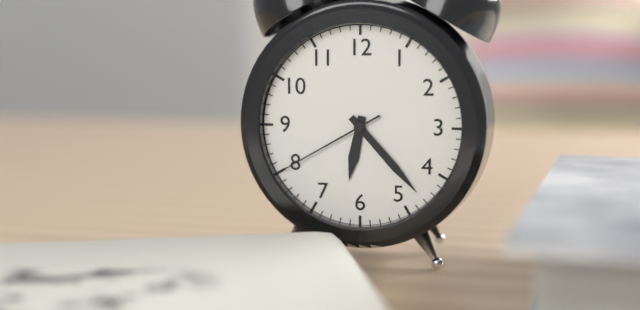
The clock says 6.23.40
